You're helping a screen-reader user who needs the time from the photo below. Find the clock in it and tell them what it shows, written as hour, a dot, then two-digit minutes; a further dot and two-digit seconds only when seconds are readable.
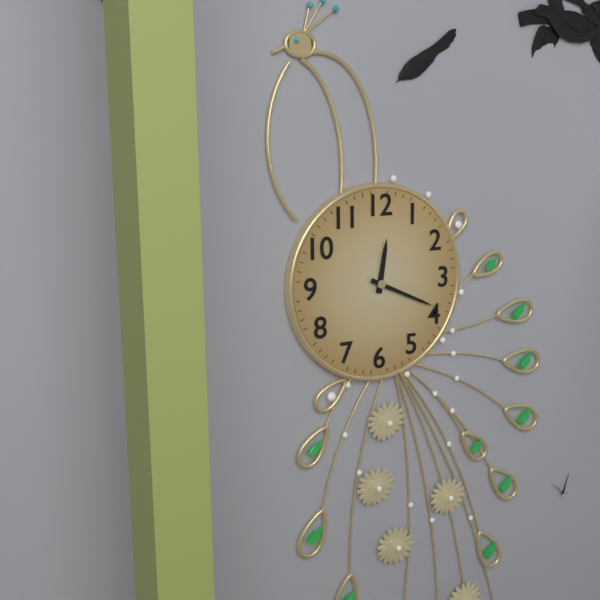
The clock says 12.19
